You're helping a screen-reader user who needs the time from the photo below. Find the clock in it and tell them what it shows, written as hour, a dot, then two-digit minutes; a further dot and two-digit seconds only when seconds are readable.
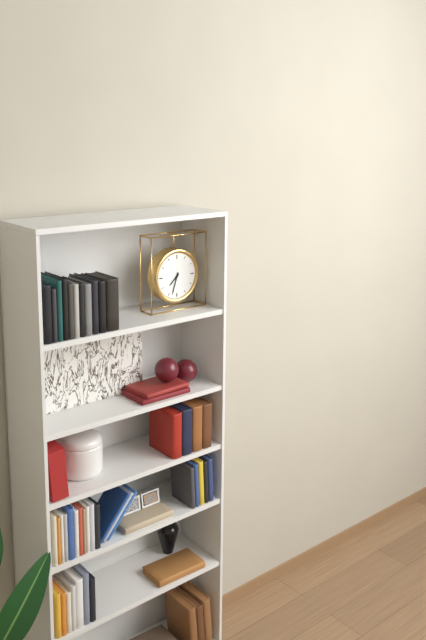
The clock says 7.33
